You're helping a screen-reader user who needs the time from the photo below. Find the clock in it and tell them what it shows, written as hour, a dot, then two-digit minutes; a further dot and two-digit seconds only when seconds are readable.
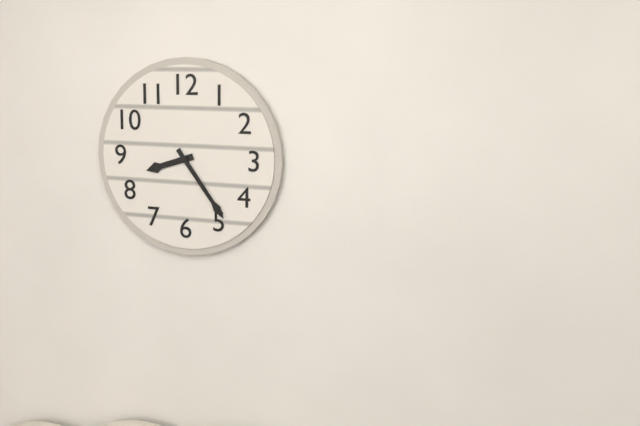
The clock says 8.24
